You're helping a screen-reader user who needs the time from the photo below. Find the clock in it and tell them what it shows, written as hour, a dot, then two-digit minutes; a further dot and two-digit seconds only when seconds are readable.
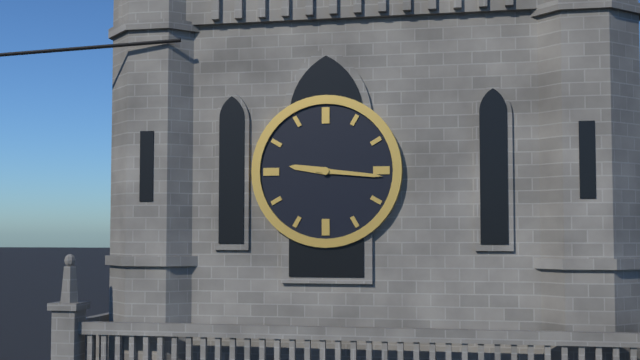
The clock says 9.16
